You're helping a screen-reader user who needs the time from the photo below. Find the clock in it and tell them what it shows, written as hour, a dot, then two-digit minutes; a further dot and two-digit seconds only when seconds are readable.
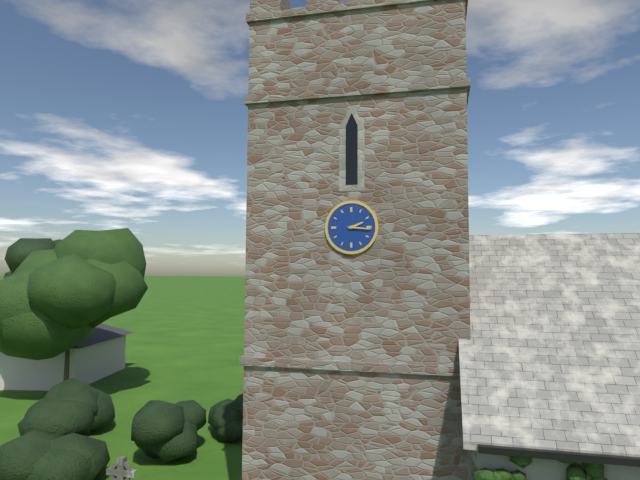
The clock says 2.16
